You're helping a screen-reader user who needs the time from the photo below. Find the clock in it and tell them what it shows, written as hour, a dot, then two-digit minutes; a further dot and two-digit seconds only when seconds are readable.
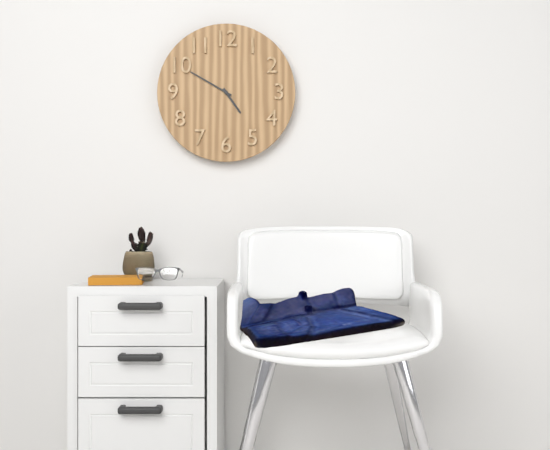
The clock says 4.50
